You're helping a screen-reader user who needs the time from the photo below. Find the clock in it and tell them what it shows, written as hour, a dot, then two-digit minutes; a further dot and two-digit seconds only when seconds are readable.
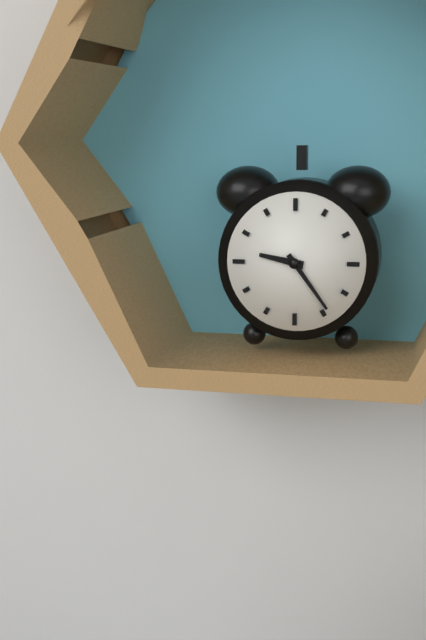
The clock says 9.24
